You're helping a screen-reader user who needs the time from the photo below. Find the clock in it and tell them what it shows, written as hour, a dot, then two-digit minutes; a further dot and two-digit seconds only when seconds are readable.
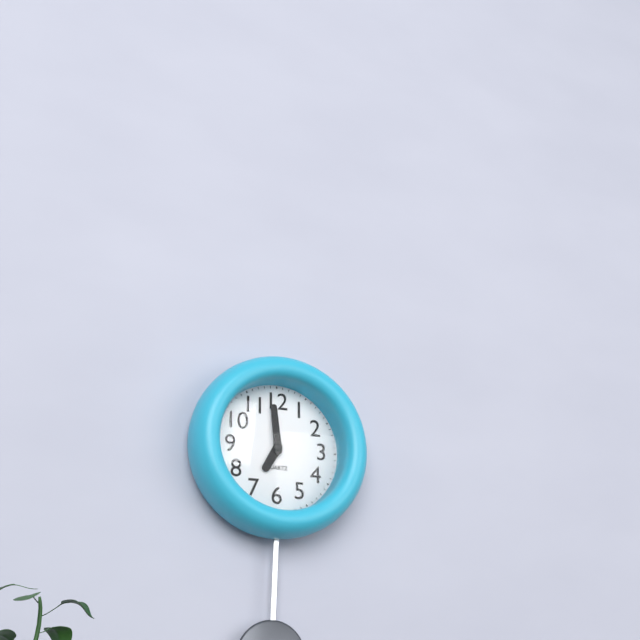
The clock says 6.59
